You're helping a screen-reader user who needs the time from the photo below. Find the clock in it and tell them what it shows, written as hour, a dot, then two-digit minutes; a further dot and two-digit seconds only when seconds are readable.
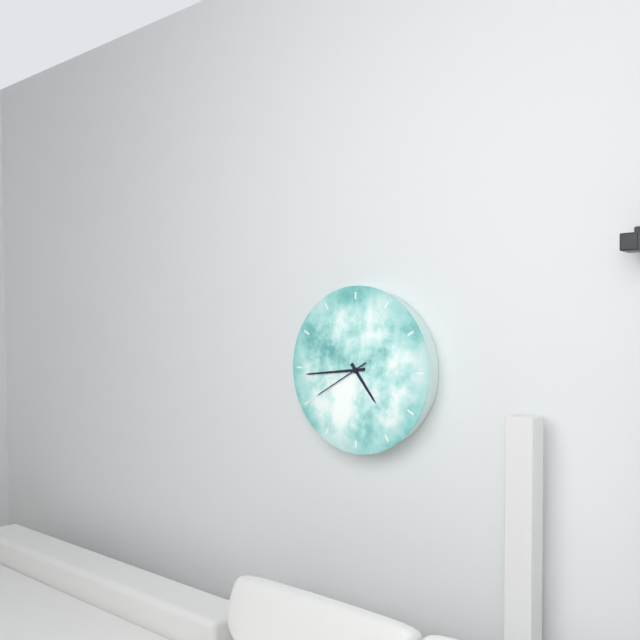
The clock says 4.44.40
